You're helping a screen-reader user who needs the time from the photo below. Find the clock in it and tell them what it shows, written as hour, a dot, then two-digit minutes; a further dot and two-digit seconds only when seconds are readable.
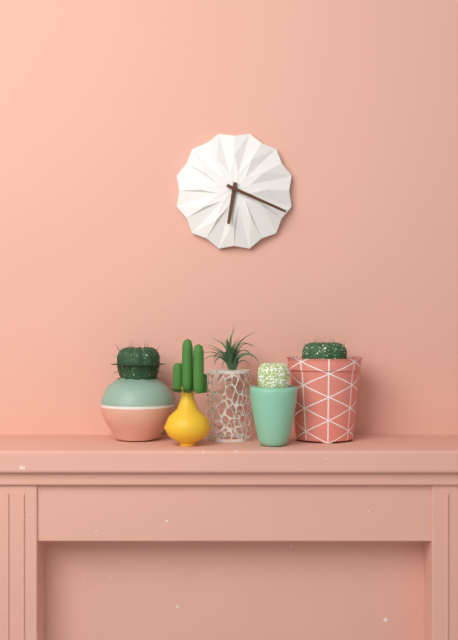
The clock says 6.19
